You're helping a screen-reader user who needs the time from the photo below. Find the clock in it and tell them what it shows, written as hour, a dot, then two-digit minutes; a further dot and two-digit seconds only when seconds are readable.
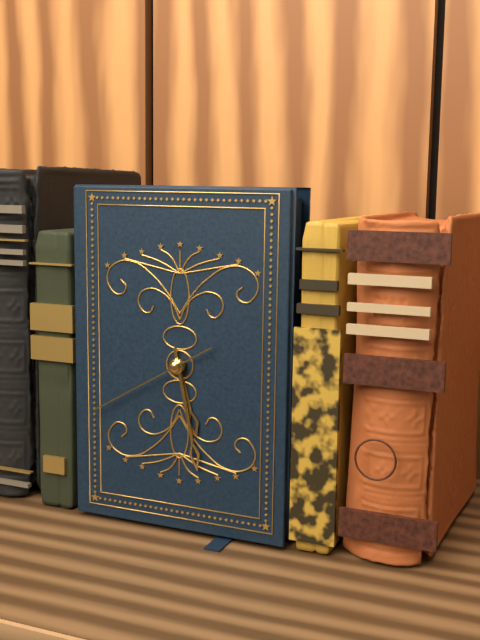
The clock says 5.28.40
